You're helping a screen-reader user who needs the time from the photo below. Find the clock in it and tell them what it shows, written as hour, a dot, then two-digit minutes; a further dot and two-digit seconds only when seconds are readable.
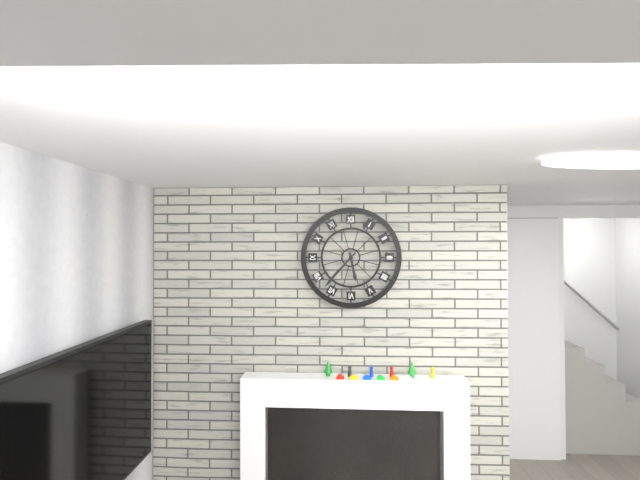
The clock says 5.37
